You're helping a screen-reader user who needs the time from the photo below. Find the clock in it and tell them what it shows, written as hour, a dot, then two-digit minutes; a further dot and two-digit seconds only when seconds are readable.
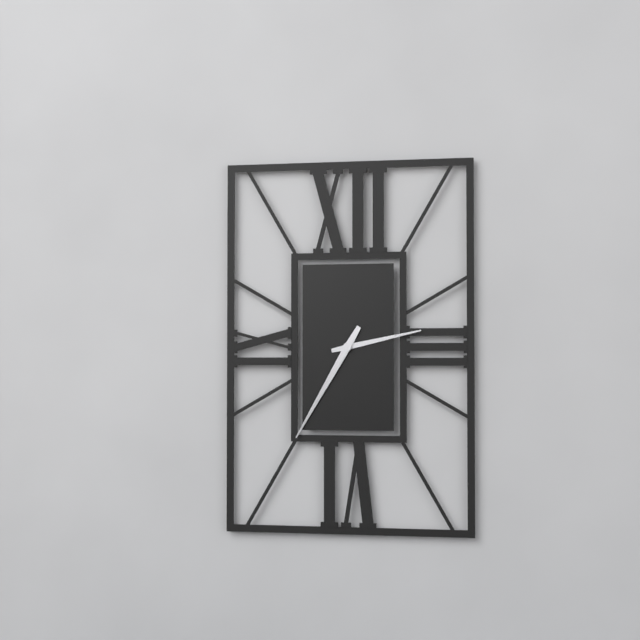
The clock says 2.35
